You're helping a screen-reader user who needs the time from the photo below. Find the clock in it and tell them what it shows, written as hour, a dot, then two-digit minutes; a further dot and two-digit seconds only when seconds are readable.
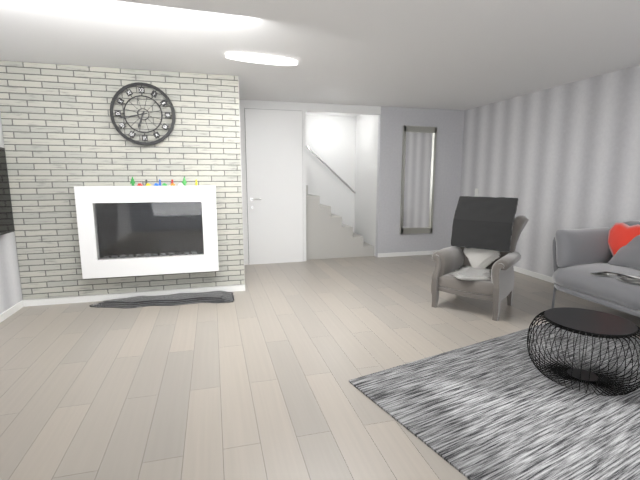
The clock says 6.43
